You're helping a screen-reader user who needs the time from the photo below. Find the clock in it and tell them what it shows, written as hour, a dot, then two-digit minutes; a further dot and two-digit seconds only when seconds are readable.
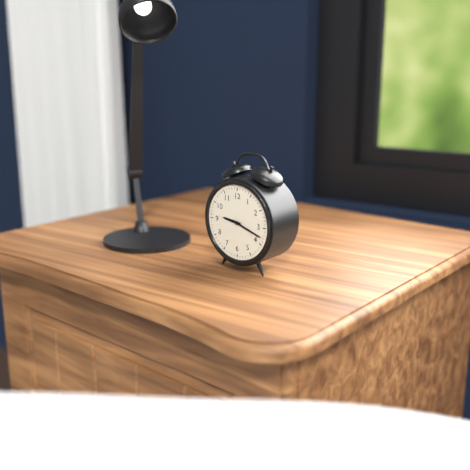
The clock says 9.18
